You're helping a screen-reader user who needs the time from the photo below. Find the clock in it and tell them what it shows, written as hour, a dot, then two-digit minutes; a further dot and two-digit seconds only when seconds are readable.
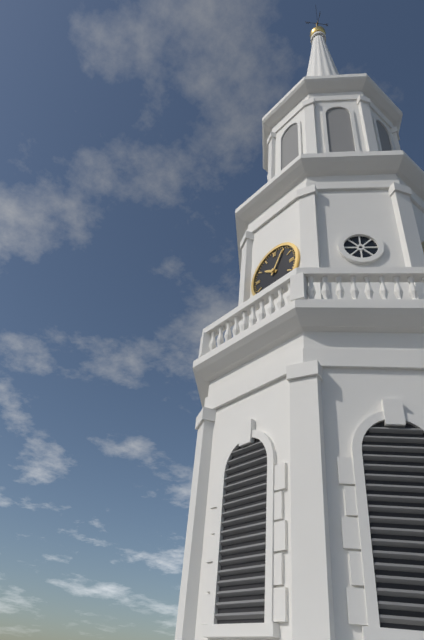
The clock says 10.05
